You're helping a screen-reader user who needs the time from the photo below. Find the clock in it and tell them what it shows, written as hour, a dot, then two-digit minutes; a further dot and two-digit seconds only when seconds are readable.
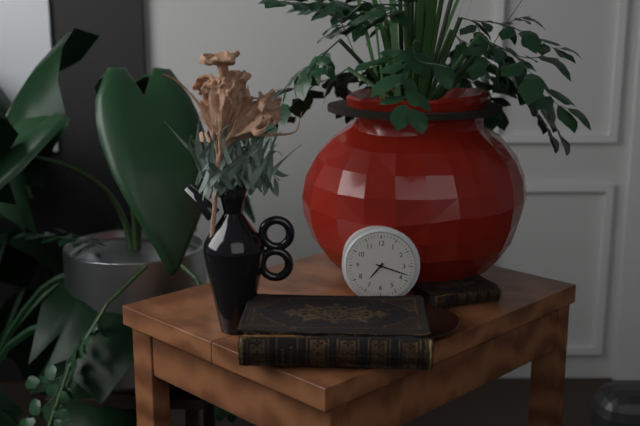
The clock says 7.18
